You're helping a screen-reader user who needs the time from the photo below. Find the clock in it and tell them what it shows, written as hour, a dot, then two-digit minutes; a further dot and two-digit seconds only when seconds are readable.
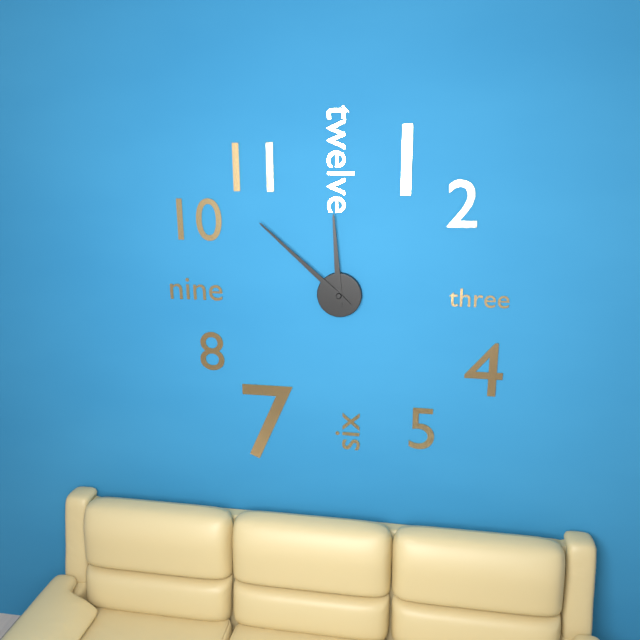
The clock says 11.52
